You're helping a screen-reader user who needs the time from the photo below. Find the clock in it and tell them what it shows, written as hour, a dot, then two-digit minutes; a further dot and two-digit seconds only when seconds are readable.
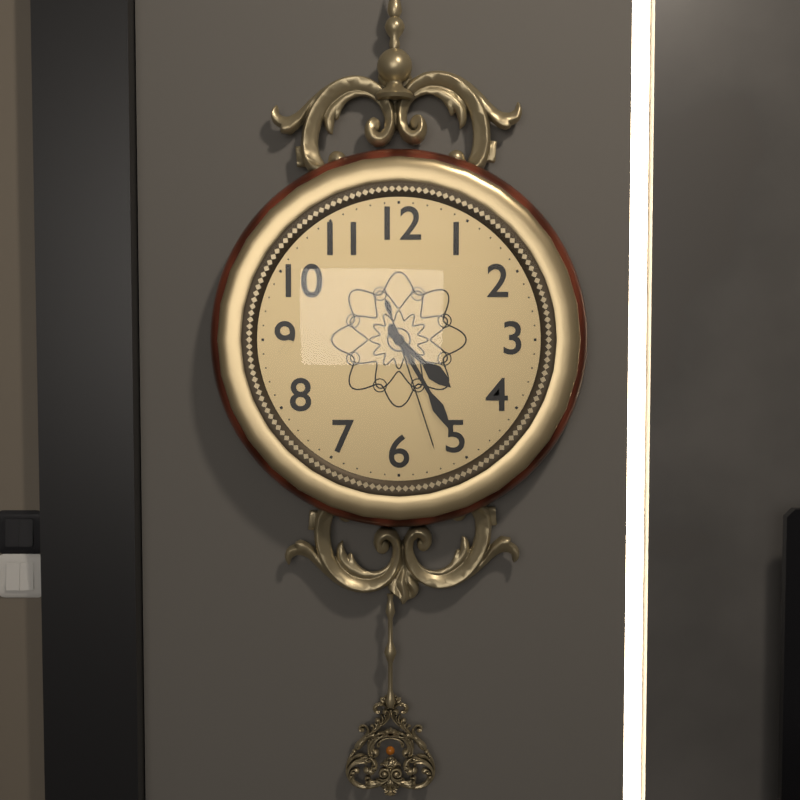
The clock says 4.25.27
